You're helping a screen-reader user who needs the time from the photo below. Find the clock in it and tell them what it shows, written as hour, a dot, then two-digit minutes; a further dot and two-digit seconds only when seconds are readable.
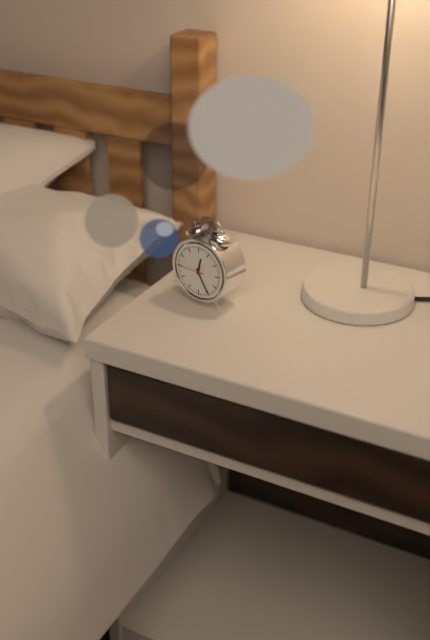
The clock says 12.25
